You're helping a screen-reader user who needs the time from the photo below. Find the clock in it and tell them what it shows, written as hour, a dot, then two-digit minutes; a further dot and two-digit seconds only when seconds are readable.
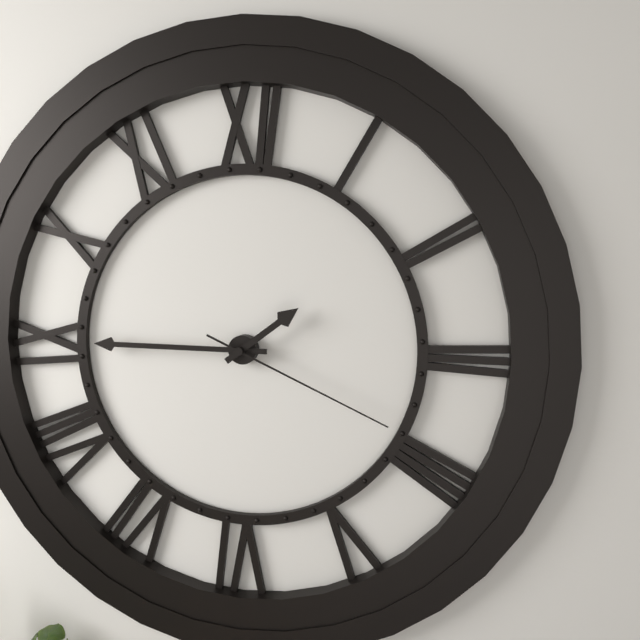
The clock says 1.45.19
